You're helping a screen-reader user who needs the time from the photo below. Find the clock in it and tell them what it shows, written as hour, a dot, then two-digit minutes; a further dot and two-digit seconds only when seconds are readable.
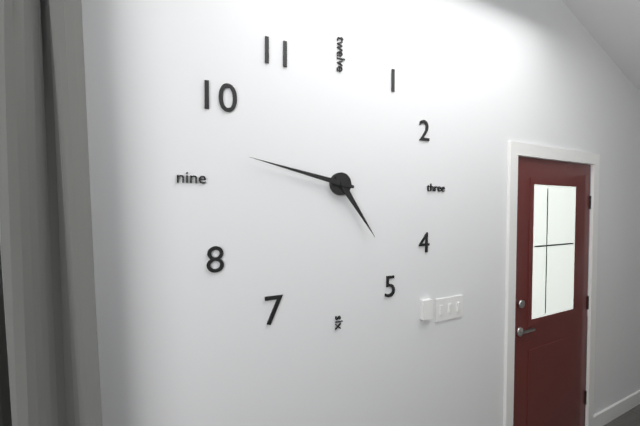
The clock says 4.47
